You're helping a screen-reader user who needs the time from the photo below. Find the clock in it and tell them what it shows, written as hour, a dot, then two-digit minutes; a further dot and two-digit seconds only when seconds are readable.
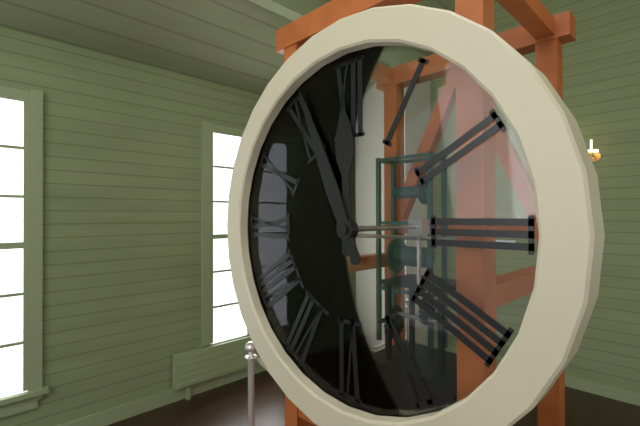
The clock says 11.56
